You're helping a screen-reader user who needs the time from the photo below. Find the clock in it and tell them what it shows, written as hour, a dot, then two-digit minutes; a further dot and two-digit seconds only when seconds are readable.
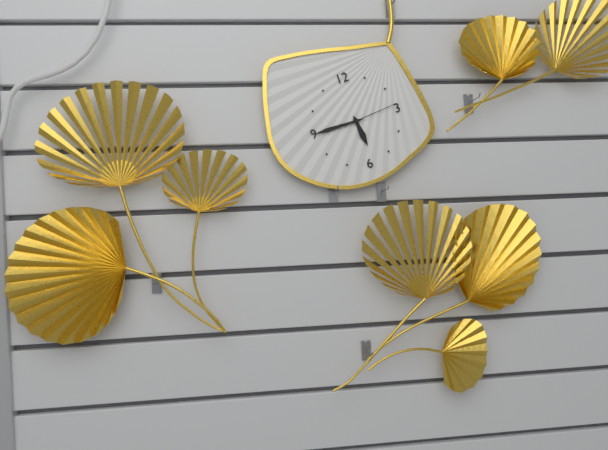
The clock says 5.45.14
